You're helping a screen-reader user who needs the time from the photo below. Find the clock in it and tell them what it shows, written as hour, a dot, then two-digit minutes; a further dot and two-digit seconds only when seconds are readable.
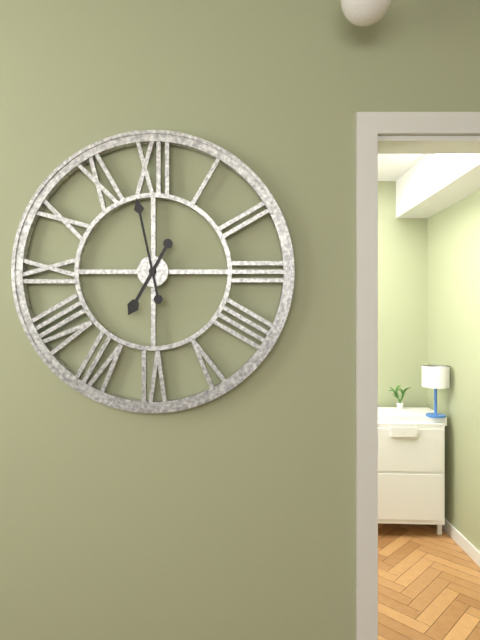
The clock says 6.58
